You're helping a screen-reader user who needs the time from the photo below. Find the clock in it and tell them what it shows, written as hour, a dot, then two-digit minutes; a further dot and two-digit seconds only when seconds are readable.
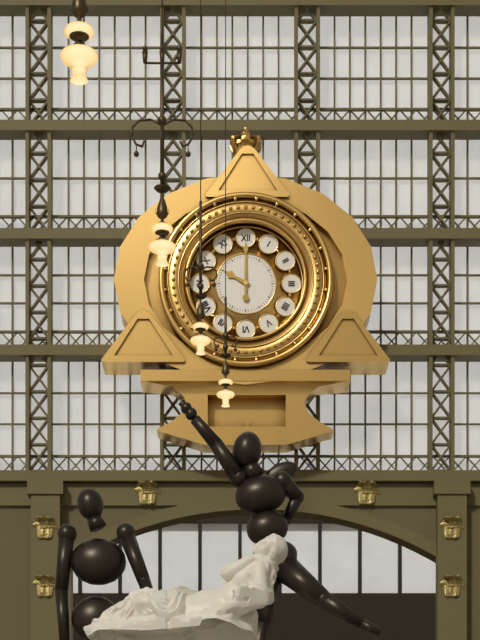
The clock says 10.00
